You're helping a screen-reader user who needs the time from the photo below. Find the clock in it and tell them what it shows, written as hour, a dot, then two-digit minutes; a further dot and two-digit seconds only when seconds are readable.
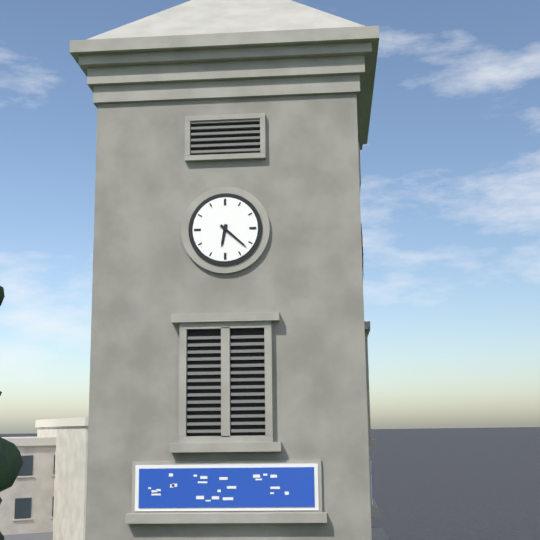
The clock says 6.22
